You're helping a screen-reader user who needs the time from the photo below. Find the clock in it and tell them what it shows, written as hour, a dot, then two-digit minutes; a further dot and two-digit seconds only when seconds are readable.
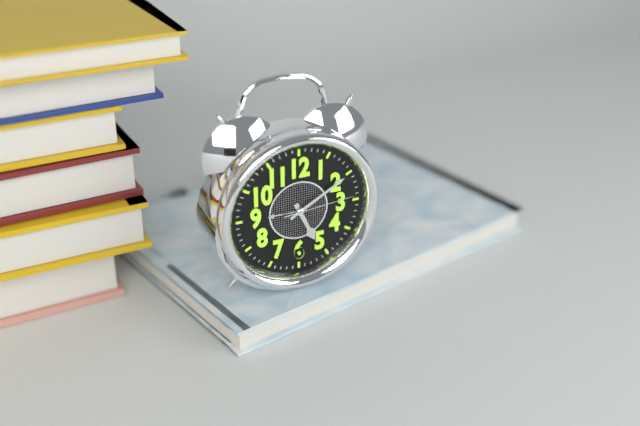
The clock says 5.10.14
